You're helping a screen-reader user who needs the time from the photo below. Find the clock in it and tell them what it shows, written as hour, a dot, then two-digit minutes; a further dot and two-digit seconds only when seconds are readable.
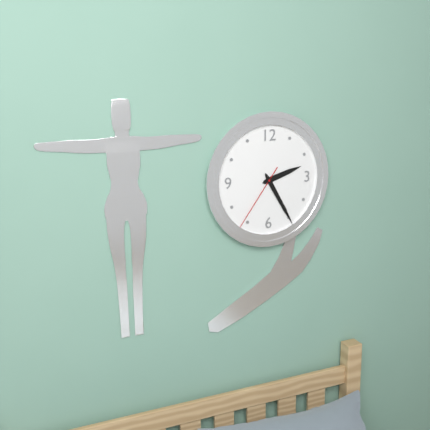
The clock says 2.25.36
